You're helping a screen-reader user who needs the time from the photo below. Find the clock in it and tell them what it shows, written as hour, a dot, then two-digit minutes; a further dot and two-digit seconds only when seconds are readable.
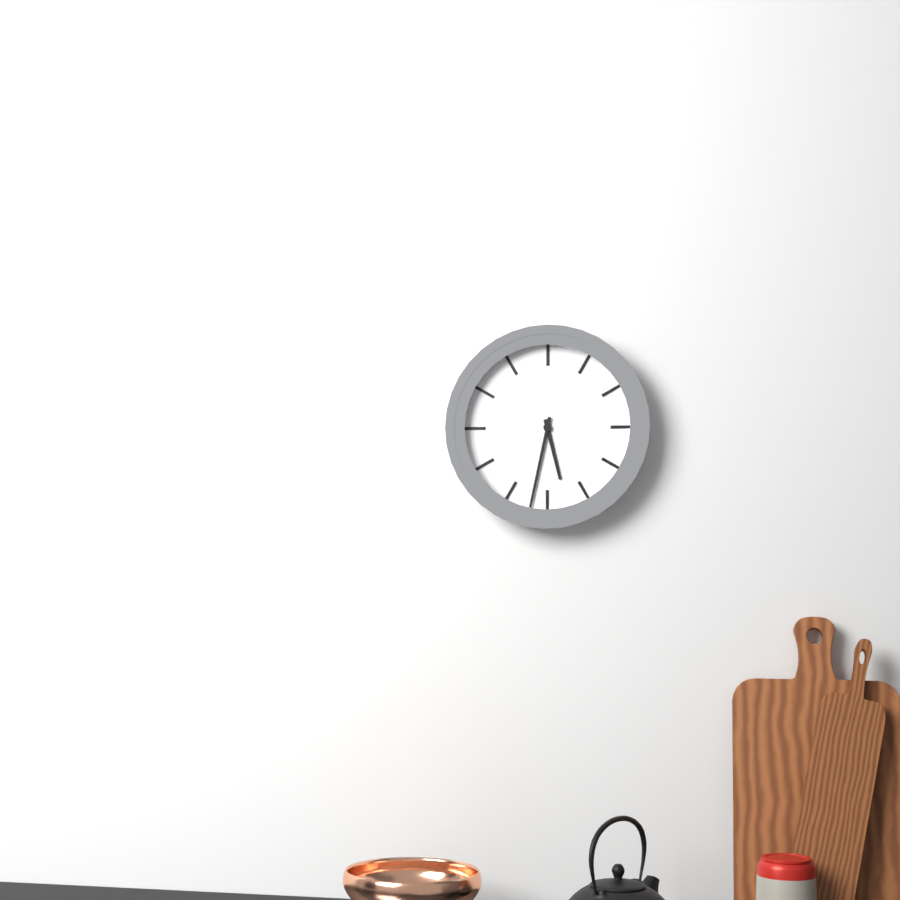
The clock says 5.32
